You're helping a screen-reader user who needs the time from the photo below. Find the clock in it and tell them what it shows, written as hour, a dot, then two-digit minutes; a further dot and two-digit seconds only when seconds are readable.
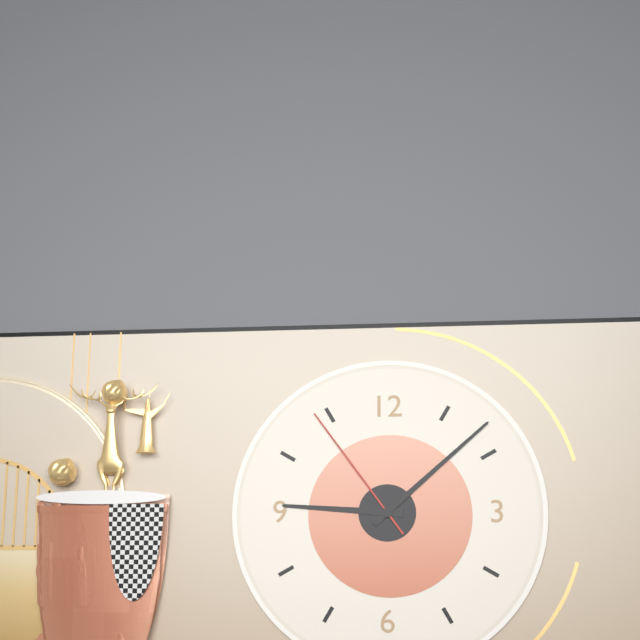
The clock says 9.08.54
